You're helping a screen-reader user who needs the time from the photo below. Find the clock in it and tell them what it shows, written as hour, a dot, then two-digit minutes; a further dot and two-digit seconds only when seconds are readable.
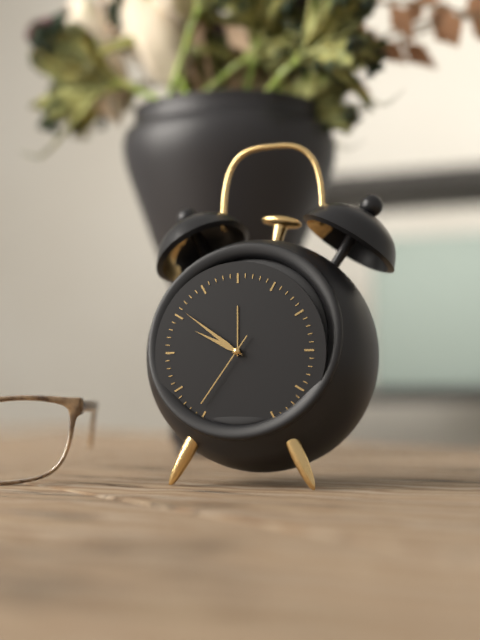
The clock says 9.51.36
